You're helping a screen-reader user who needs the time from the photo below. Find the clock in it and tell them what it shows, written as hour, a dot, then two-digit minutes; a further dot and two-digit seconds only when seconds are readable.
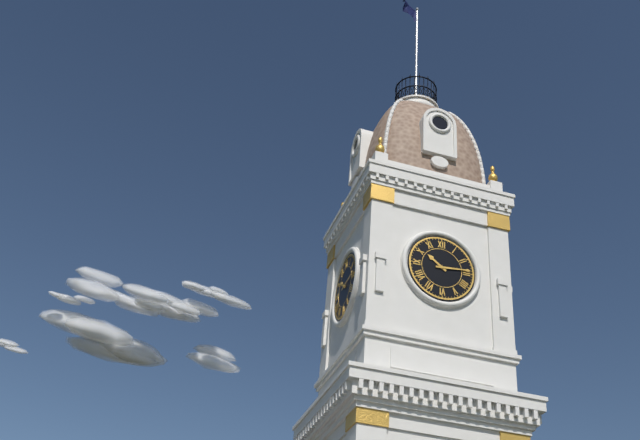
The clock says 10.14
